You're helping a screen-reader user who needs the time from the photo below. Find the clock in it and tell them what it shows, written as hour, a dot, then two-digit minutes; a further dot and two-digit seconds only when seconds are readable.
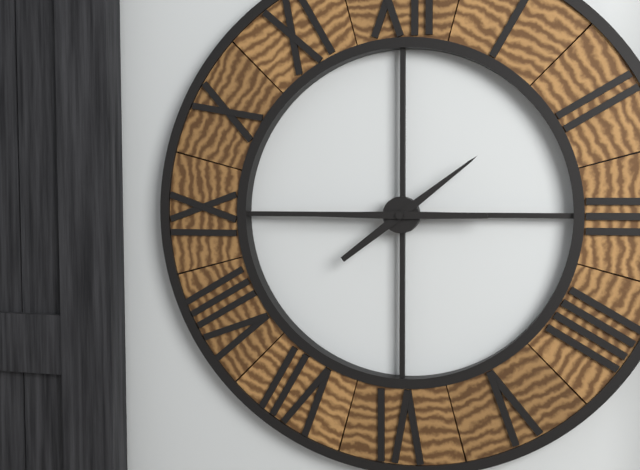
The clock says 1.45
